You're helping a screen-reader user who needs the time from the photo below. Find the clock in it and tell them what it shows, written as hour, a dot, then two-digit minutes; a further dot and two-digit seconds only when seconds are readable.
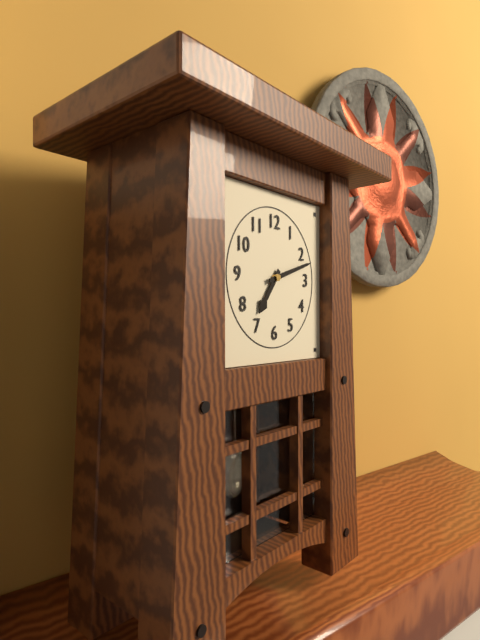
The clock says 7.12
